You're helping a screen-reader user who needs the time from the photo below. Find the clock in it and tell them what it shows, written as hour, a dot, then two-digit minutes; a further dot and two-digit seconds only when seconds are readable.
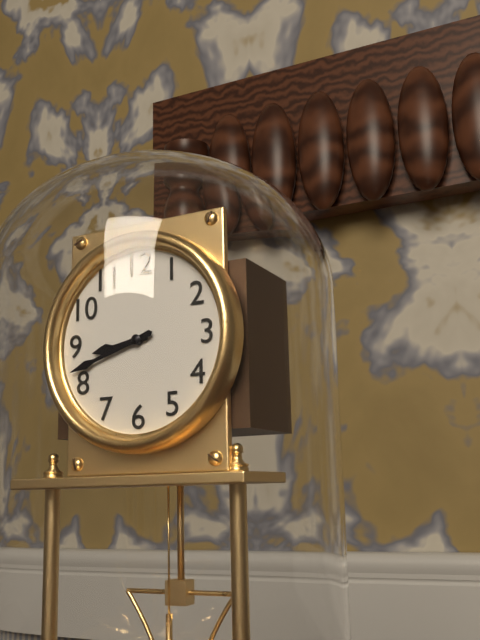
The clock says 8.42
